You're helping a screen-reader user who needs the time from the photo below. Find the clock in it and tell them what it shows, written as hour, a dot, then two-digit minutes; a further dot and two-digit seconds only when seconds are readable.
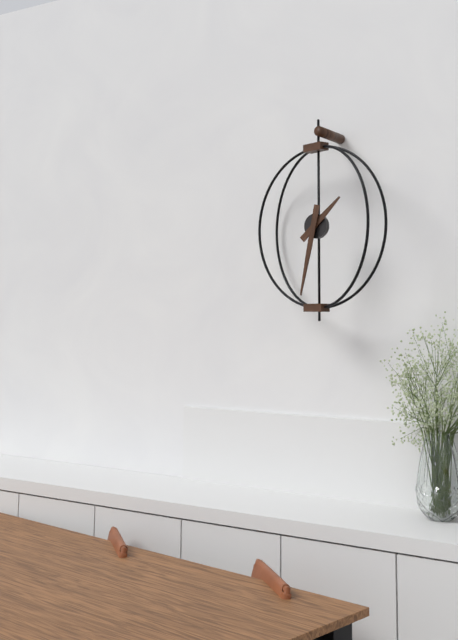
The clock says 1.32
